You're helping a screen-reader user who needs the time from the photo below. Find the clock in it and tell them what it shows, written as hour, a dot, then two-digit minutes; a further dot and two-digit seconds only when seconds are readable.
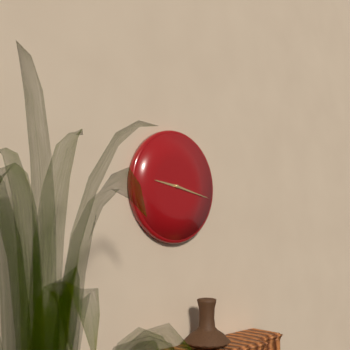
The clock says 9.17
